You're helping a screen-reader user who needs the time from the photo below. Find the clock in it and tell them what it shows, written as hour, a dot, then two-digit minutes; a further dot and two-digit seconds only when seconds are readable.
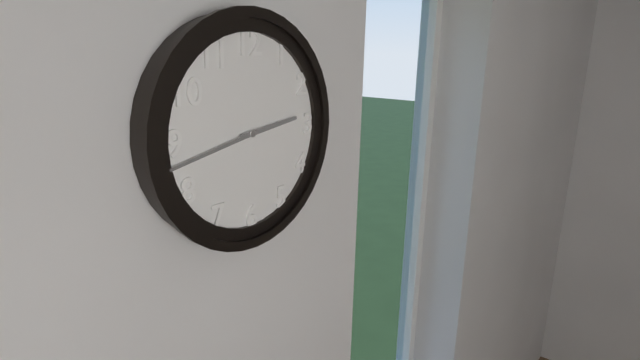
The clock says 2.43
